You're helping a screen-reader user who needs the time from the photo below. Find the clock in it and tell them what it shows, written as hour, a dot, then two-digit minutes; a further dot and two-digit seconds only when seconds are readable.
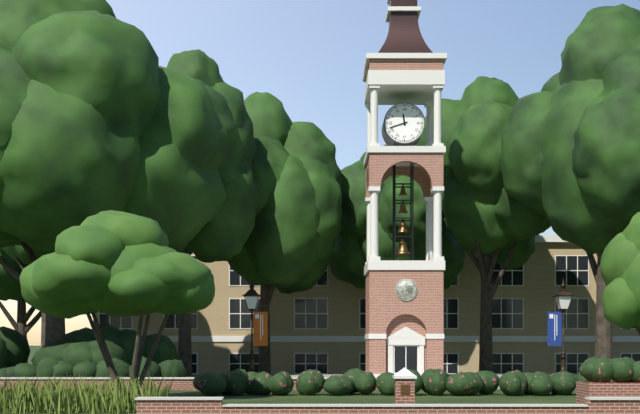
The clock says 11.42
